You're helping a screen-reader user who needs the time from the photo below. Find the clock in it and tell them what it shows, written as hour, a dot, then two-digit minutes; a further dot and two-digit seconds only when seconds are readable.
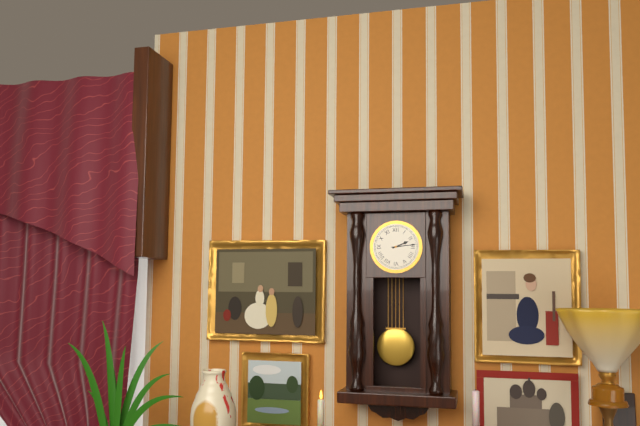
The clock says 2.14
